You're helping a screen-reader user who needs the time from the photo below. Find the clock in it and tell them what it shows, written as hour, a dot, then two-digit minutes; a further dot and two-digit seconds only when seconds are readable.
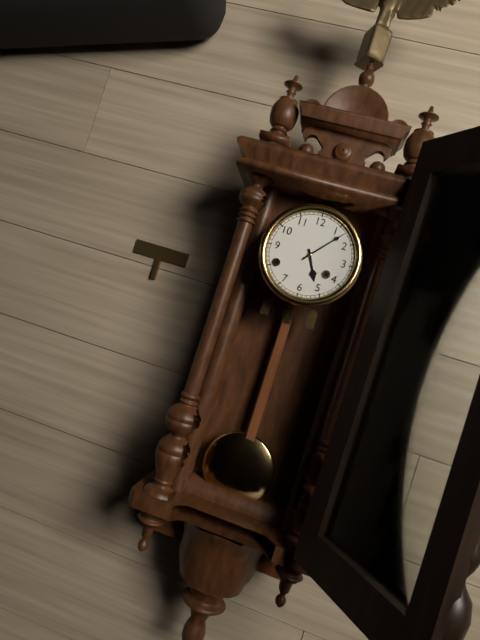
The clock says 5.07
